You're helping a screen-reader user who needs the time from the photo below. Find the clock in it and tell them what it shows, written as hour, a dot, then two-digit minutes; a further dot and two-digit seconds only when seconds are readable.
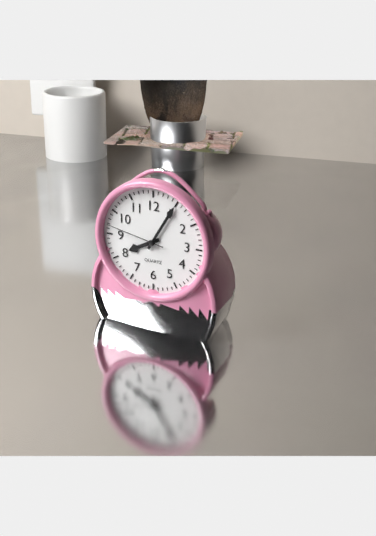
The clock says 8.05.47
